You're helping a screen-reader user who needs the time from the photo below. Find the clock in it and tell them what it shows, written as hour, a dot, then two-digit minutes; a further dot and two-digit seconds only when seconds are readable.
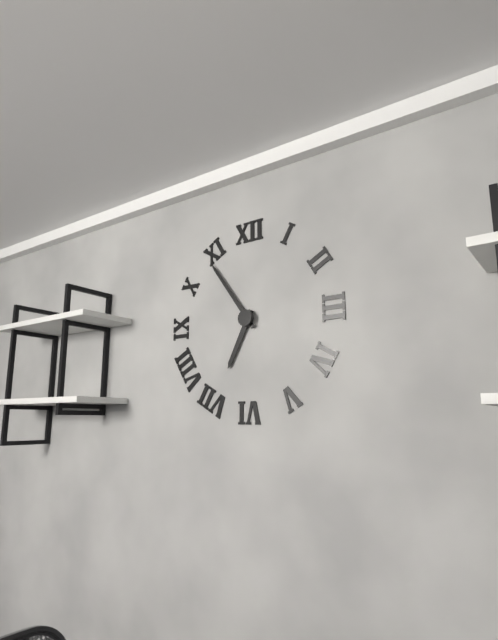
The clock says 6.54
